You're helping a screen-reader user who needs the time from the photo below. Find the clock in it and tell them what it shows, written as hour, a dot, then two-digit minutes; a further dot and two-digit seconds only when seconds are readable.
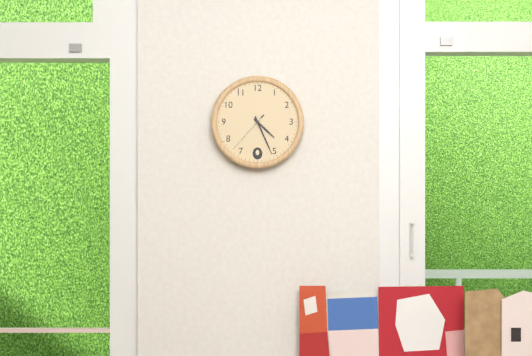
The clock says 4.26
